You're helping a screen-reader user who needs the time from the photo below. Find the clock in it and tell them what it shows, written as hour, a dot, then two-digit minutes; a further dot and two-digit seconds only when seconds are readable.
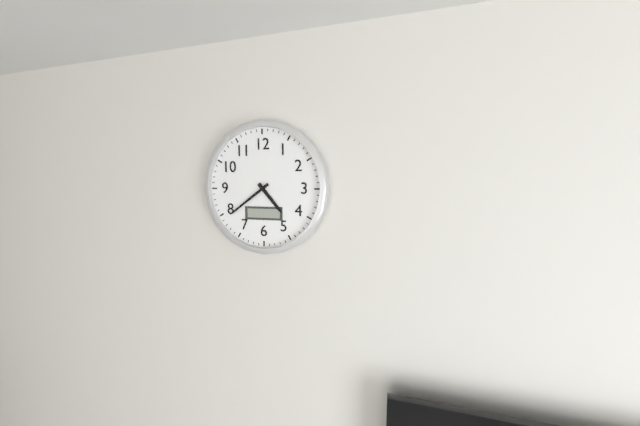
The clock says 4.39
